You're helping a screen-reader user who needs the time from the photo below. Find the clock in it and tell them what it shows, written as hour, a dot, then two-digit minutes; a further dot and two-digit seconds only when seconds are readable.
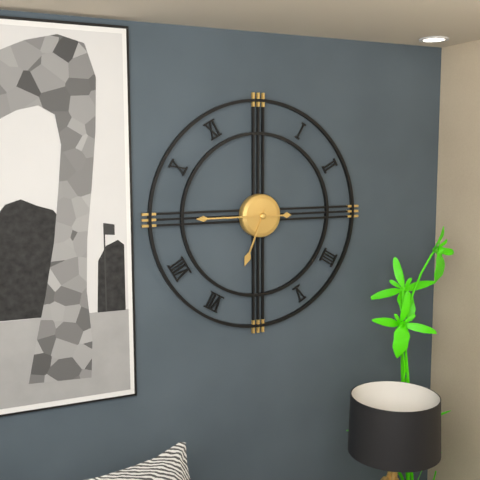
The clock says 6.45
